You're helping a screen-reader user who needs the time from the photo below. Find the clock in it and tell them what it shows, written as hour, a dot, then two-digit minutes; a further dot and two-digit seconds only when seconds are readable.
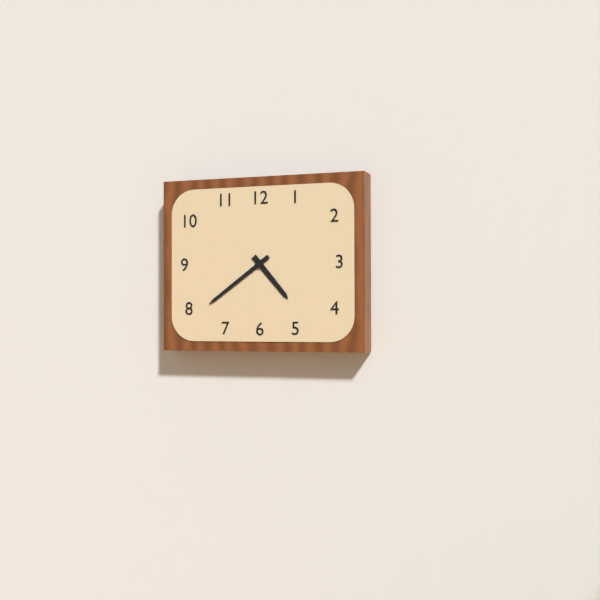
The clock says 4.39
